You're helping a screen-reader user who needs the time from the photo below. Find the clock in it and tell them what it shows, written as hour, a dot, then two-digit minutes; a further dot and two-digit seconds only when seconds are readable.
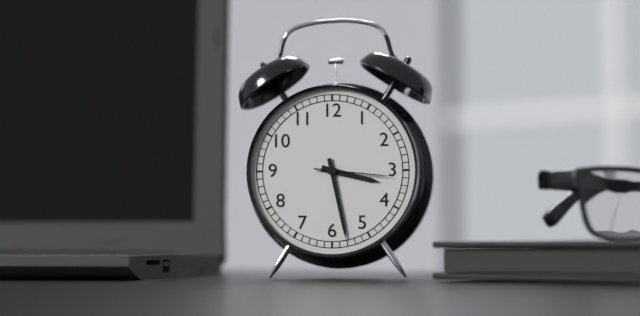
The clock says 3.28.16
